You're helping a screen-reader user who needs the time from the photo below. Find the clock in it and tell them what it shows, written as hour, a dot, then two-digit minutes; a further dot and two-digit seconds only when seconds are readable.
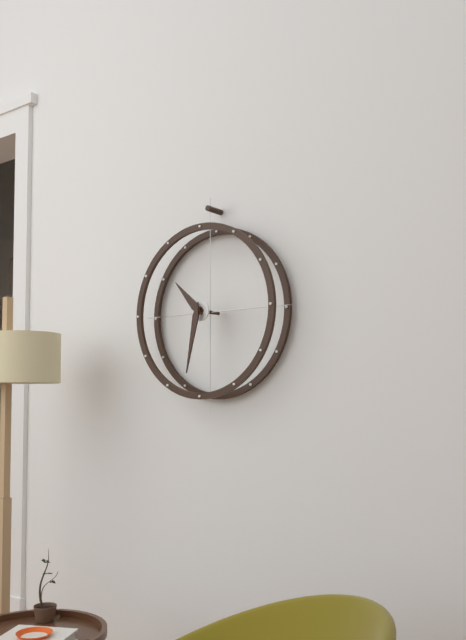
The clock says 10.32
